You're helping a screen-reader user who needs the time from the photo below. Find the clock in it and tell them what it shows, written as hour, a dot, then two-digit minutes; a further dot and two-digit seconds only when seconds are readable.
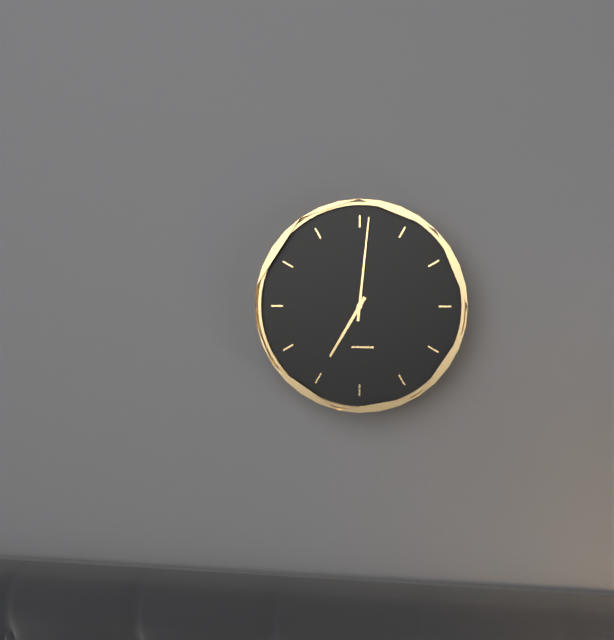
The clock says 7.01
